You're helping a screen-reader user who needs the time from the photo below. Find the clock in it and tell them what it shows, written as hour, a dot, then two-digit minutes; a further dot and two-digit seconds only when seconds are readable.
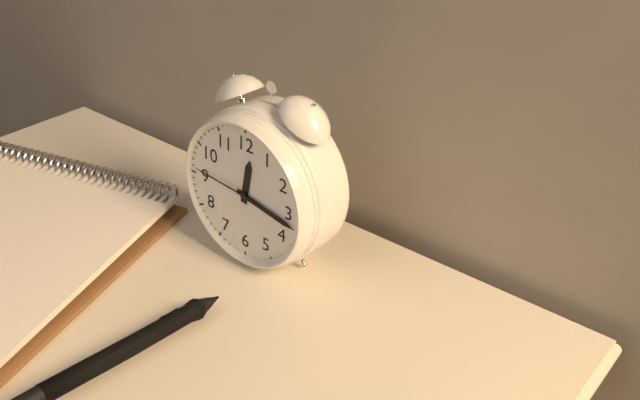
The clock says 12.17.46
